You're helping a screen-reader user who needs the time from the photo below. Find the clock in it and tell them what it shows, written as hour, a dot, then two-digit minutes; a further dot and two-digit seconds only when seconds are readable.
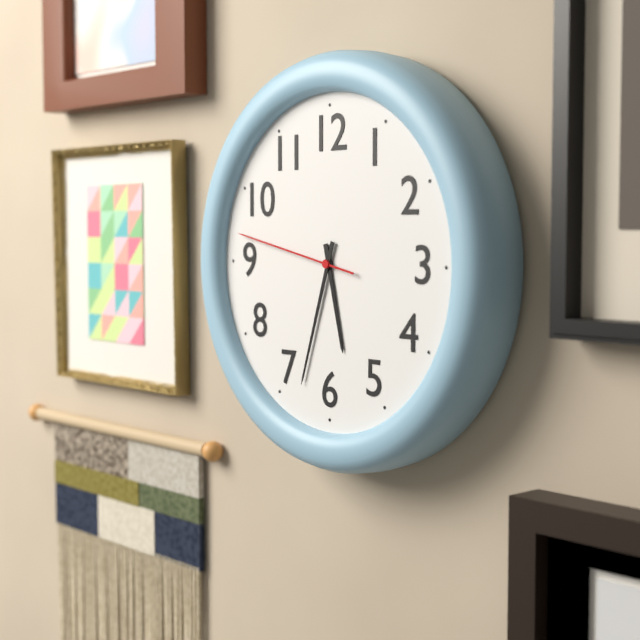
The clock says 5.33.47
